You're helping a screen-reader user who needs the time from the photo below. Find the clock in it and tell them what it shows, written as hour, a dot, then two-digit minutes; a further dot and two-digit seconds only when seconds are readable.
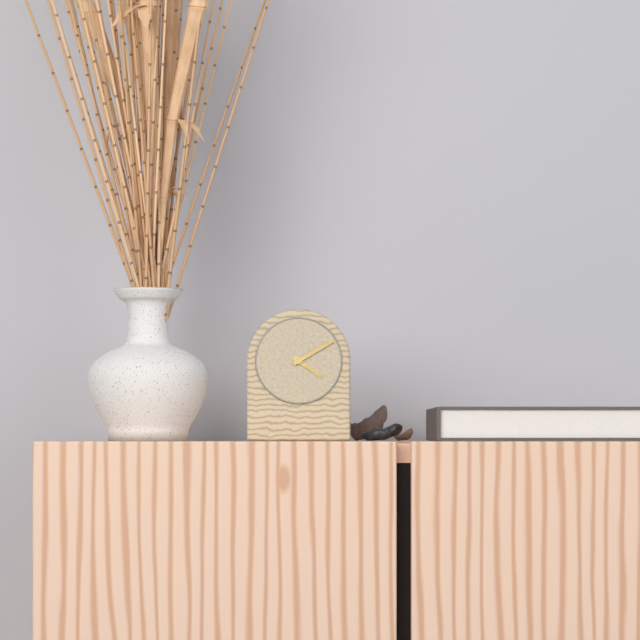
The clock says 4.10
